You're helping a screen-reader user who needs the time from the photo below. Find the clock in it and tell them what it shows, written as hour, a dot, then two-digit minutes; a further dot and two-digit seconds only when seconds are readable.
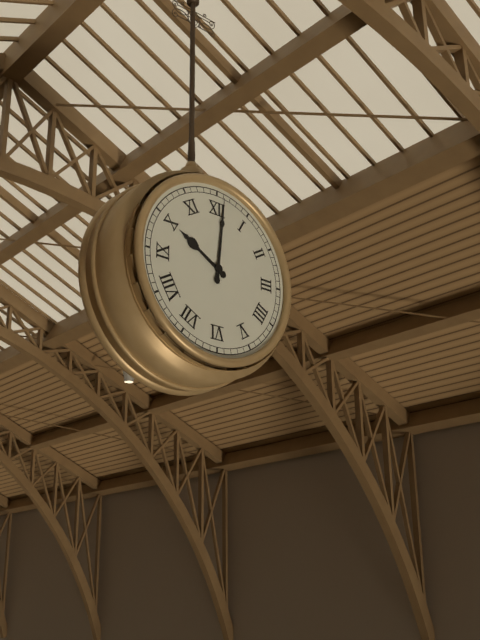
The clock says 10.01
